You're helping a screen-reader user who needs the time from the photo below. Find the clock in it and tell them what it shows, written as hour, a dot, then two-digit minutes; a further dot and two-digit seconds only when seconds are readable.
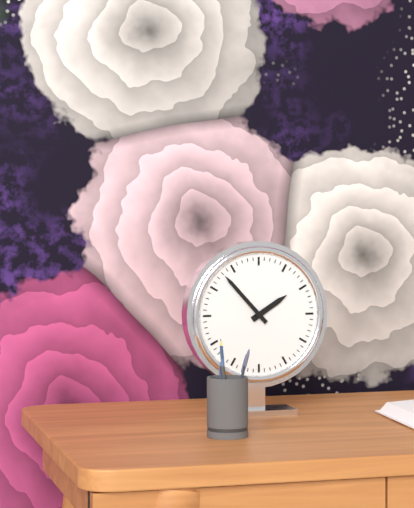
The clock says 1.53
